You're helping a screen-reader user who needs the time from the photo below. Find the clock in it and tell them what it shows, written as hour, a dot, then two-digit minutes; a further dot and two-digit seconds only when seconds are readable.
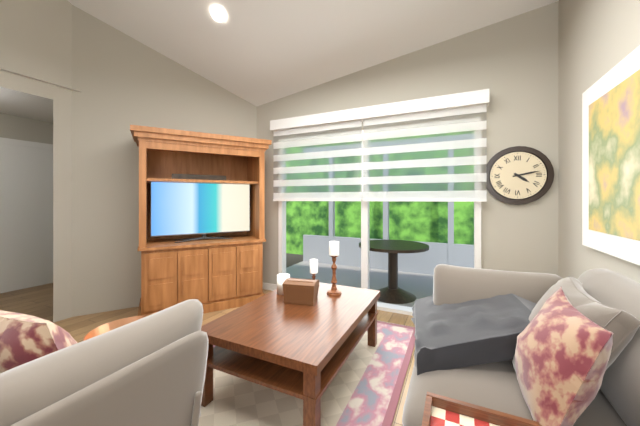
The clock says 4.13
